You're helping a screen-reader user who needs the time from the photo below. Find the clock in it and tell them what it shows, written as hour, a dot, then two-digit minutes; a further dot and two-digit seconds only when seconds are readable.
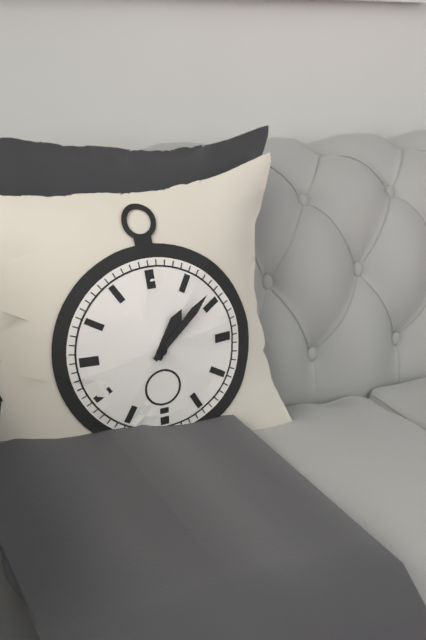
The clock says 1.08
